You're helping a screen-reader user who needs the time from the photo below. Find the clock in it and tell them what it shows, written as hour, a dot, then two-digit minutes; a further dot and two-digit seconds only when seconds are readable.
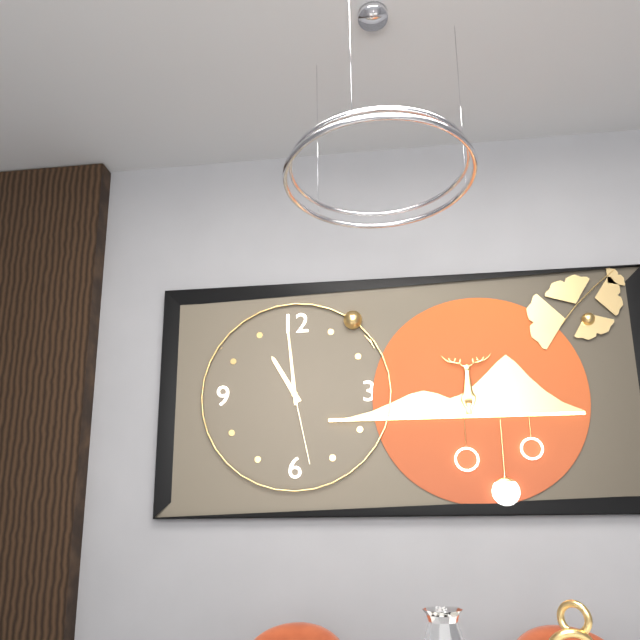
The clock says 10.59.28
